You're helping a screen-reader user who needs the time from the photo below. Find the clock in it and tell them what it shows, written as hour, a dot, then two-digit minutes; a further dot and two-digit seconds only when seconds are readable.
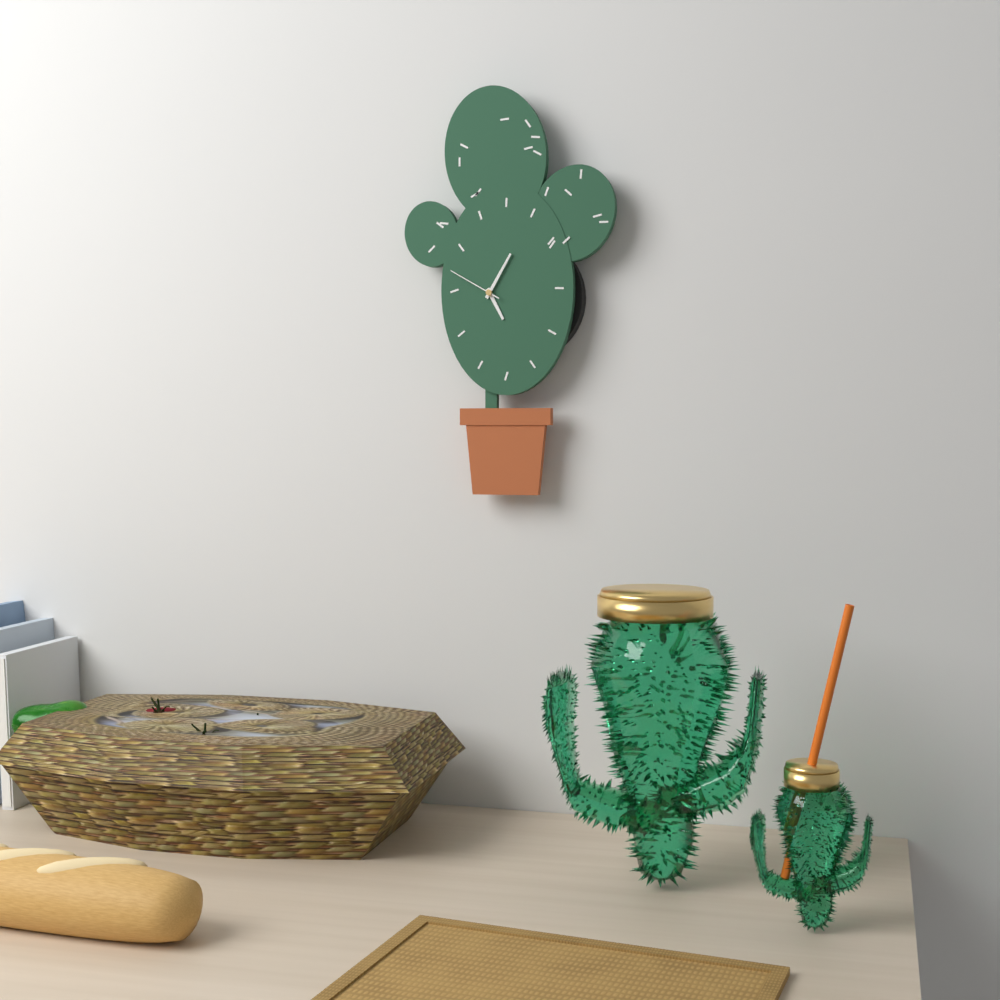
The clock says 5.05.50
